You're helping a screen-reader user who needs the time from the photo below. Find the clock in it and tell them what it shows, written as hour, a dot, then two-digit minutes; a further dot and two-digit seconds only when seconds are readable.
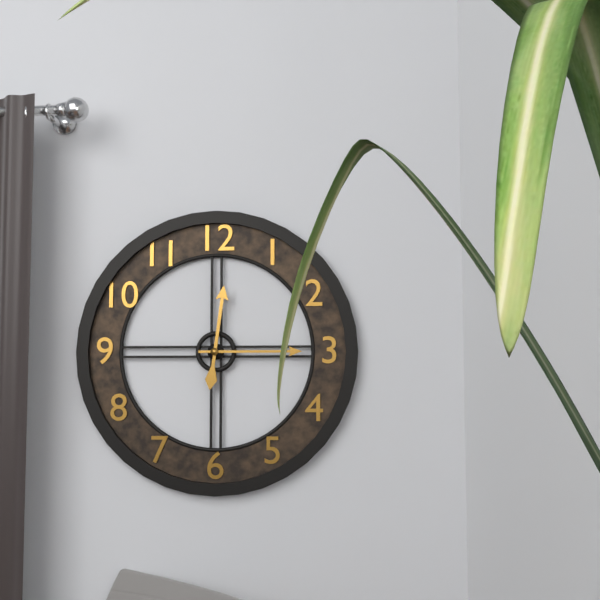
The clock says 12.15
